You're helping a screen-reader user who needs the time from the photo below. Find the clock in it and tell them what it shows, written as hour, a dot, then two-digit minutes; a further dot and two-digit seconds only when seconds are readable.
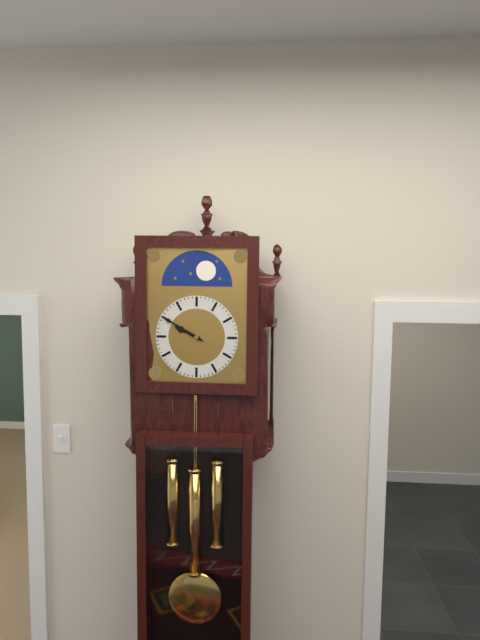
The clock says 9.50
